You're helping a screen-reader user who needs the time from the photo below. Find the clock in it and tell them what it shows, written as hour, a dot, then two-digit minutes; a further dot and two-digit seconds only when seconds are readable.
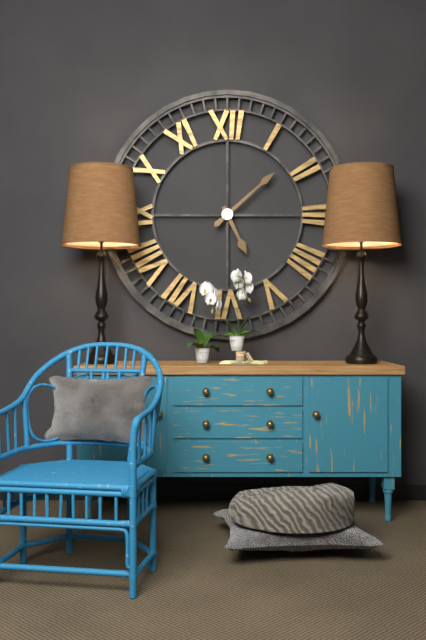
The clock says 5.08
